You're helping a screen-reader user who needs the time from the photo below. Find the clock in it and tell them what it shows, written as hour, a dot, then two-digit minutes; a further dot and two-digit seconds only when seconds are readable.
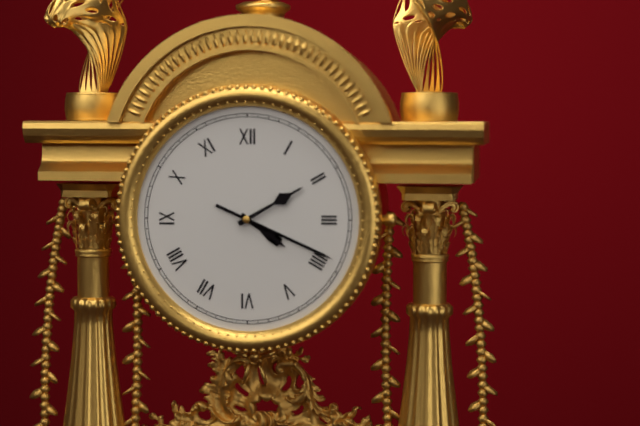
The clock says 4.10.19
